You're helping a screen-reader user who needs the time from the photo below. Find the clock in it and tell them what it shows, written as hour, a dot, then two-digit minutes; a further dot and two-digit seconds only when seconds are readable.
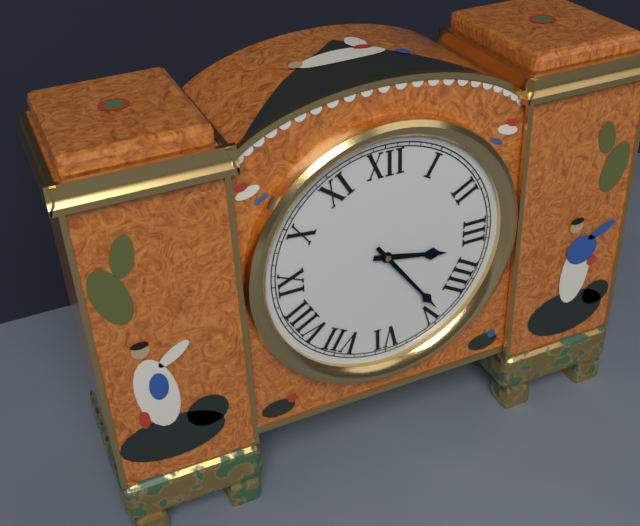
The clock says 3.24
